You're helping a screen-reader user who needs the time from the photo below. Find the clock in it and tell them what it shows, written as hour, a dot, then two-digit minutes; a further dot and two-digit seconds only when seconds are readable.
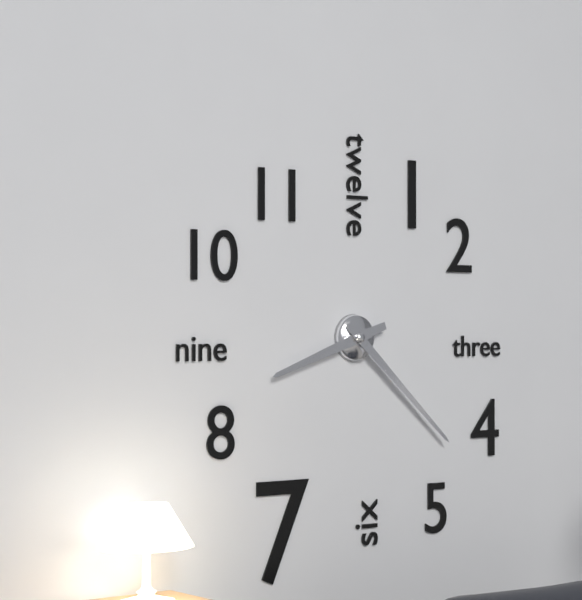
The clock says 8.22
